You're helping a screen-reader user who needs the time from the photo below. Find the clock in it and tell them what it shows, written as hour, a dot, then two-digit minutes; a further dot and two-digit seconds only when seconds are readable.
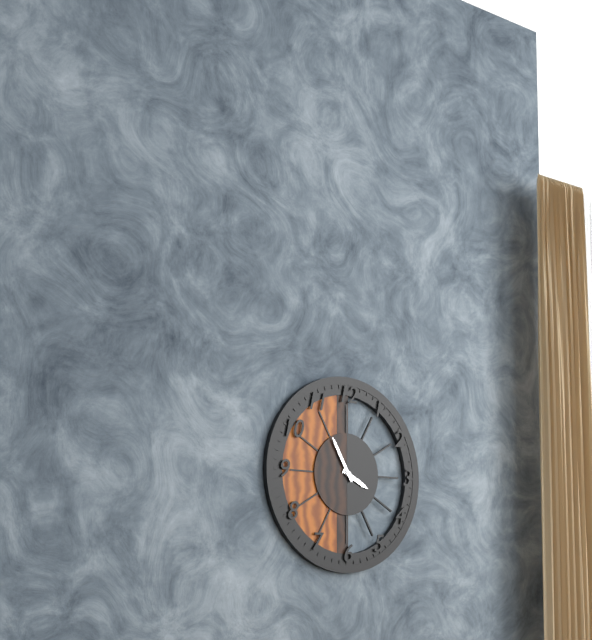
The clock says 3.55
